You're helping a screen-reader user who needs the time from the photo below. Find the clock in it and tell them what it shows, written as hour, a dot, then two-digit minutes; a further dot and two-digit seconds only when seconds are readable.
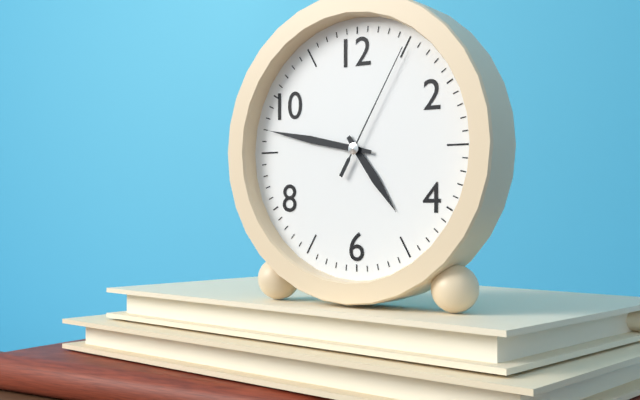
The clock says 4.47.05
